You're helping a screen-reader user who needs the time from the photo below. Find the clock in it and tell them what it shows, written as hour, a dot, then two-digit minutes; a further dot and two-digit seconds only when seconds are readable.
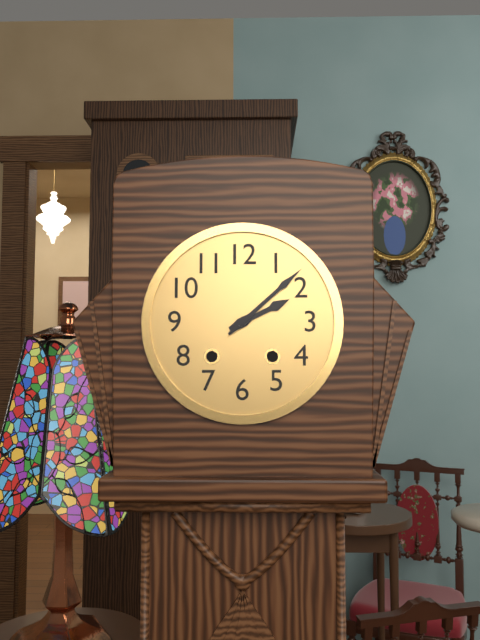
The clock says 2.08
